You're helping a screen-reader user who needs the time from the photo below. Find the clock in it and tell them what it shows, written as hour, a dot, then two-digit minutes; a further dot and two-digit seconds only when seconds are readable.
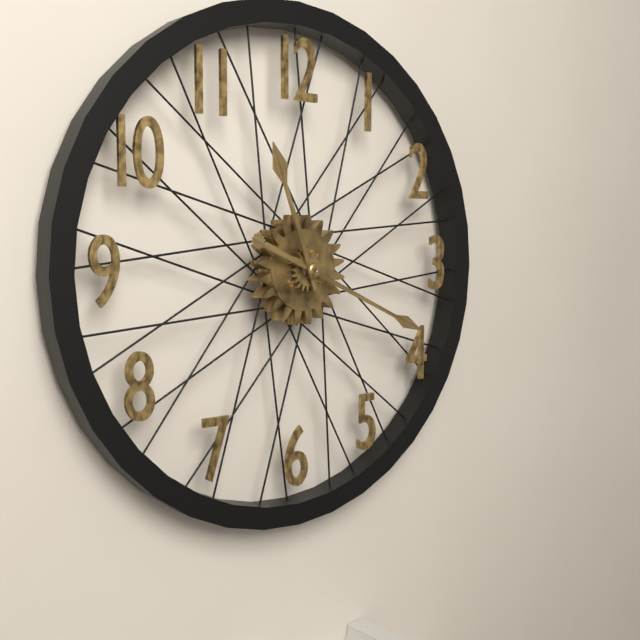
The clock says 11.19
